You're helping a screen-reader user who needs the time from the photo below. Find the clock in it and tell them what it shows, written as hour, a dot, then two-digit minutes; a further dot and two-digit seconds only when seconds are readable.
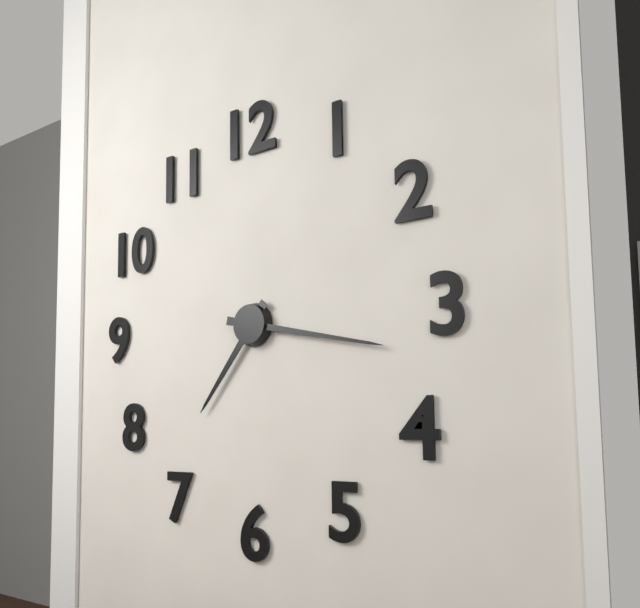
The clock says 7.17
